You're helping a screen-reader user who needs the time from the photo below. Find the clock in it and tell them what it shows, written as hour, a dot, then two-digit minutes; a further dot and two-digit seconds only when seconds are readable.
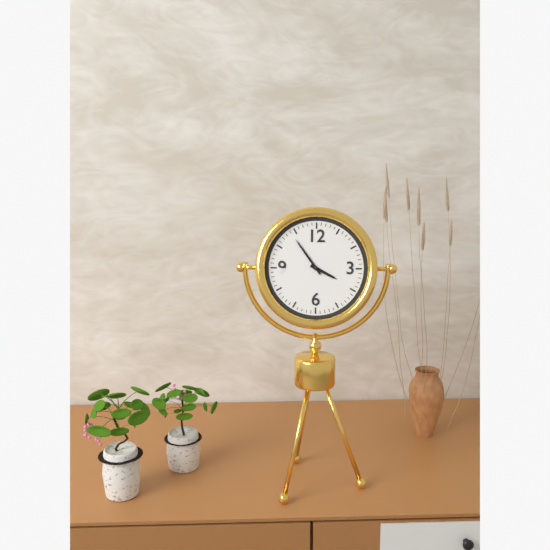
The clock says 3.54
